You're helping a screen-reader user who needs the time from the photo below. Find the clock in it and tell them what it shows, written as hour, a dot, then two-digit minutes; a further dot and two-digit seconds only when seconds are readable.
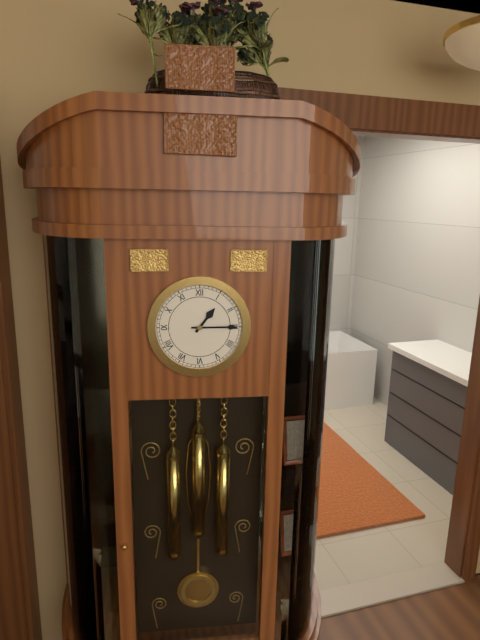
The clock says 1.15
